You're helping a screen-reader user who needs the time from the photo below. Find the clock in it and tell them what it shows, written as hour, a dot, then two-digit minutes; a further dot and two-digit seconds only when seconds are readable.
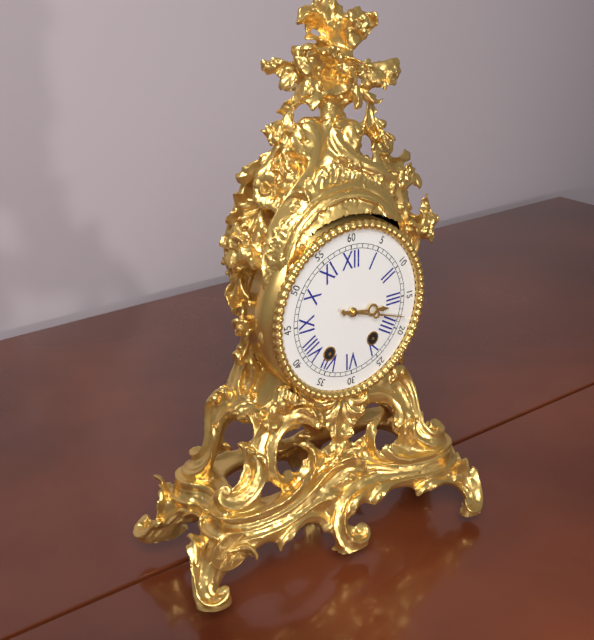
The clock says 3.18
